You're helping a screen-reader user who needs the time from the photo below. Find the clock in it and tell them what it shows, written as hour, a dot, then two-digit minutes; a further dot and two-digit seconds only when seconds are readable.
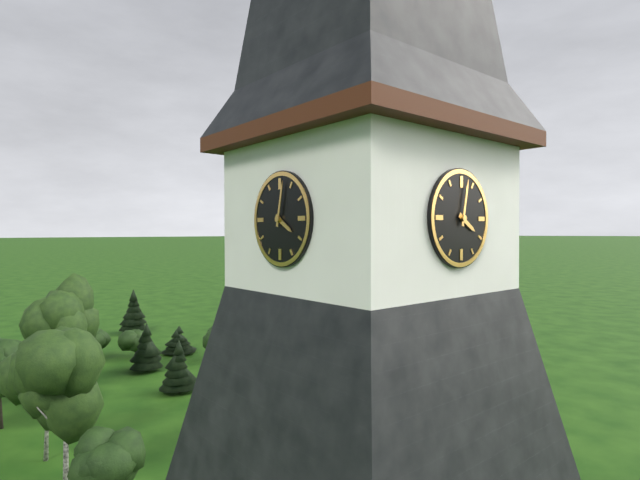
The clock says 4.02
